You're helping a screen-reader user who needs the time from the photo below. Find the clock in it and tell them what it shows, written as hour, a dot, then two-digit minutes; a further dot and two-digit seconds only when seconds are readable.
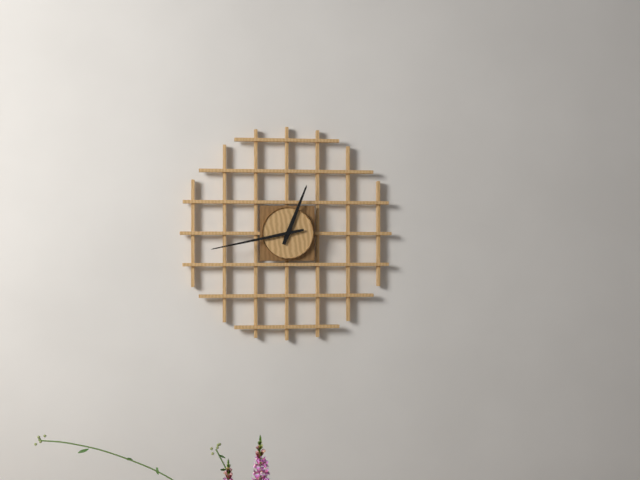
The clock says 12.43
